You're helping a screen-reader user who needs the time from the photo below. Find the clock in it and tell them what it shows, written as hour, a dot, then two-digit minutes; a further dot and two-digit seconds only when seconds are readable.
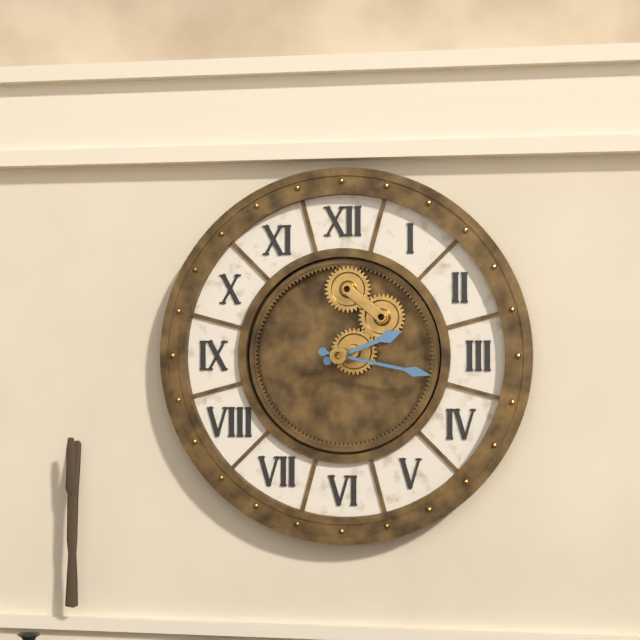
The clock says 2.17
